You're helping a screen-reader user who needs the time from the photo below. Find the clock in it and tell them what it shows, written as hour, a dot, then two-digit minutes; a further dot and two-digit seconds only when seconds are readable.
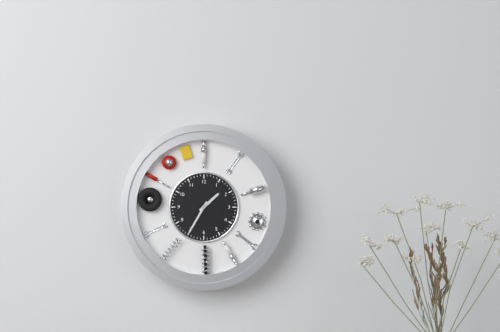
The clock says 1.35
